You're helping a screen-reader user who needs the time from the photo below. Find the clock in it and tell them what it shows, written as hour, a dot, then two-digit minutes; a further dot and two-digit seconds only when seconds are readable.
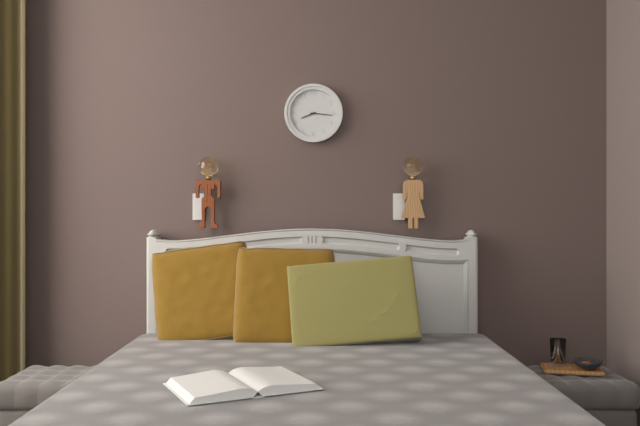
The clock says 8.16
